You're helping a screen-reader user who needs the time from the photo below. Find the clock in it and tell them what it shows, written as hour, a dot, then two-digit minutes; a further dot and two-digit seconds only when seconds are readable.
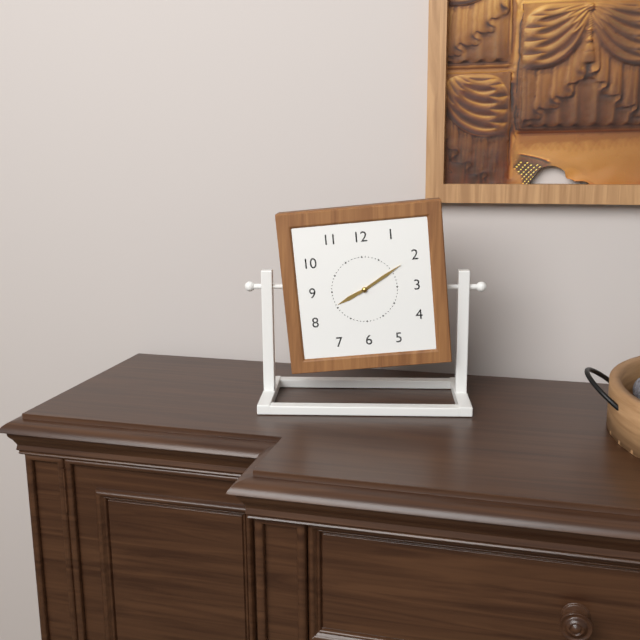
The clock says 8.10
